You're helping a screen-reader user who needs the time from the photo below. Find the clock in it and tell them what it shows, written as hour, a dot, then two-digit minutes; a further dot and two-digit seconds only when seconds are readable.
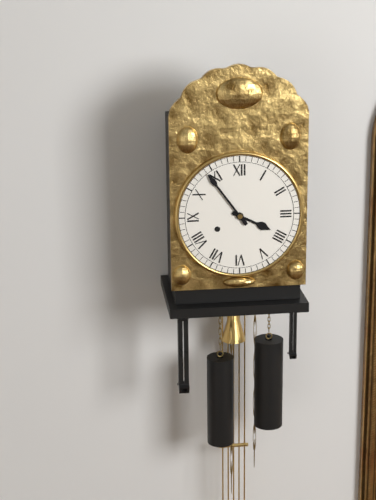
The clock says 3.54
